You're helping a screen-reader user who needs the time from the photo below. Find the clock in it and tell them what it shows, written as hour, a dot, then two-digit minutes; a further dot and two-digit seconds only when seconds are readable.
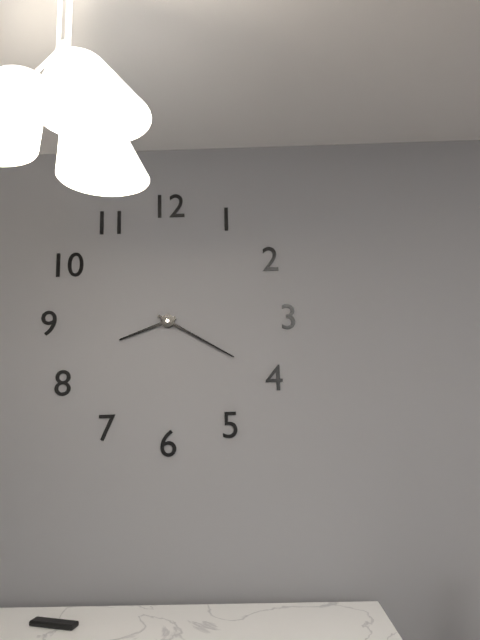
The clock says 8.20
